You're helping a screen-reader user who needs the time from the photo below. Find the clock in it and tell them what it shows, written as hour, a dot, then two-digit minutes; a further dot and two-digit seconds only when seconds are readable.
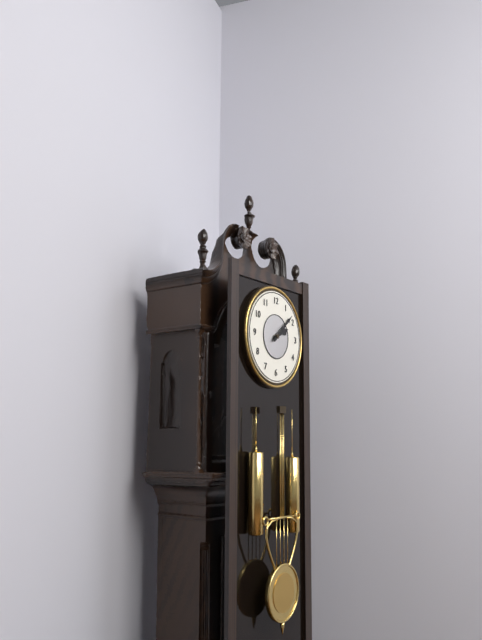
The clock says 2.08
